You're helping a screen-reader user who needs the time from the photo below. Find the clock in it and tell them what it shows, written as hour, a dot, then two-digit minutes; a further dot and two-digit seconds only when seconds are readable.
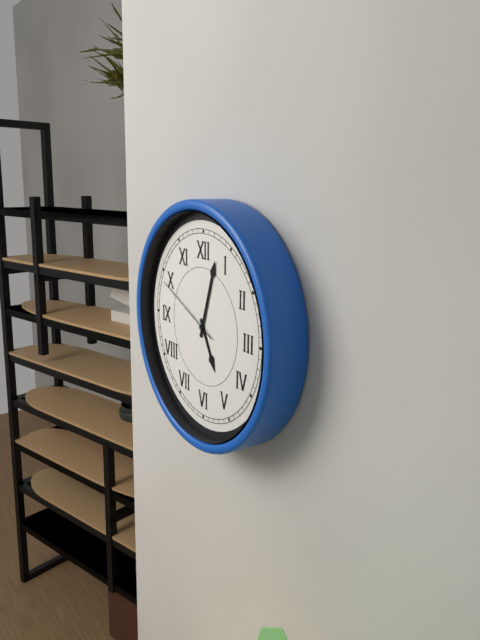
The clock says 5.03.49
